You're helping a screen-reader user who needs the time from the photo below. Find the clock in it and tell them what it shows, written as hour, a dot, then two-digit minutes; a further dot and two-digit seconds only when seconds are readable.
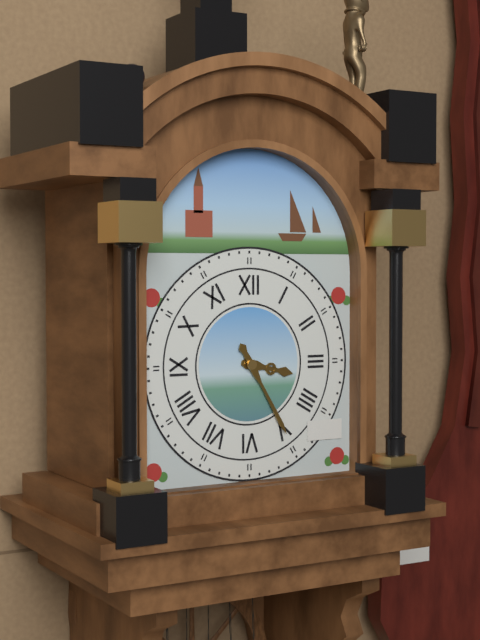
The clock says 3.25
